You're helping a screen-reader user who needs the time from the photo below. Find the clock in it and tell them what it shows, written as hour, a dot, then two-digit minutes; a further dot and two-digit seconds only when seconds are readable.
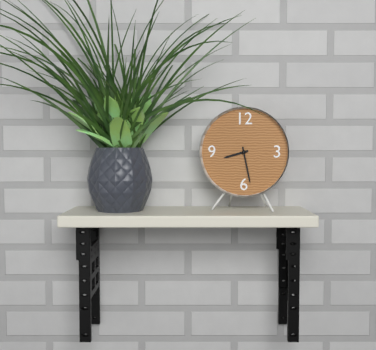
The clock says 8.28
